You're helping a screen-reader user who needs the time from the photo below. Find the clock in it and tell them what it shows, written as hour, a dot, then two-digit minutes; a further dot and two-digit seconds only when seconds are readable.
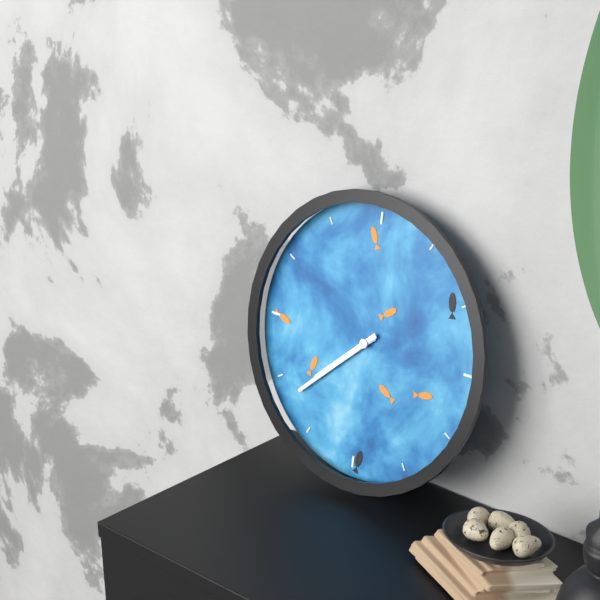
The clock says 7.38
